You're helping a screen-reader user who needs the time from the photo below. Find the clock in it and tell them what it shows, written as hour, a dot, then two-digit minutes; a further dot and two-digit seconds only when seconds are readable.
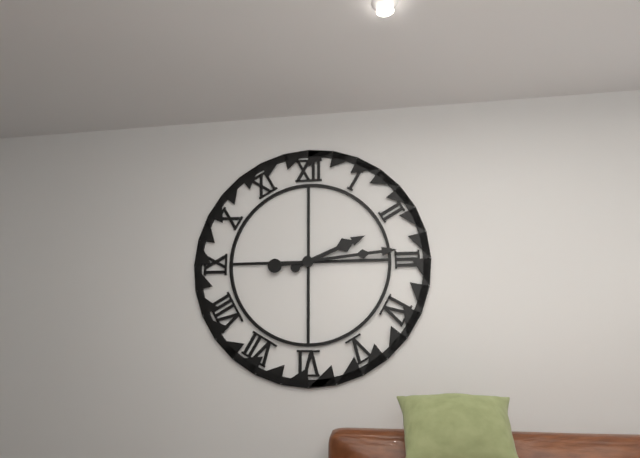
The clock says 2.14
